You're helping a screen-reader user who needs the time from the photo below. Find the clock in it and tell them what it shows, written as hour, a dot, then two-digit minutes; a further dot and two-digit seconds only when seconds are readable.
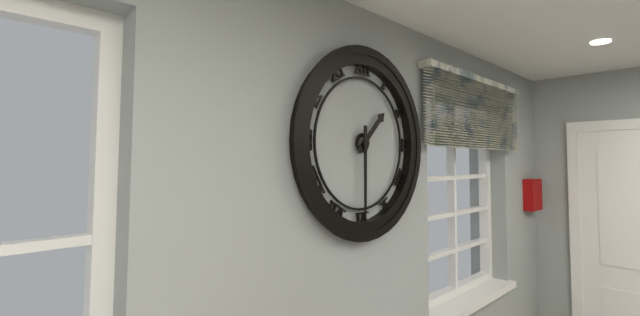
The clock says 1.30
